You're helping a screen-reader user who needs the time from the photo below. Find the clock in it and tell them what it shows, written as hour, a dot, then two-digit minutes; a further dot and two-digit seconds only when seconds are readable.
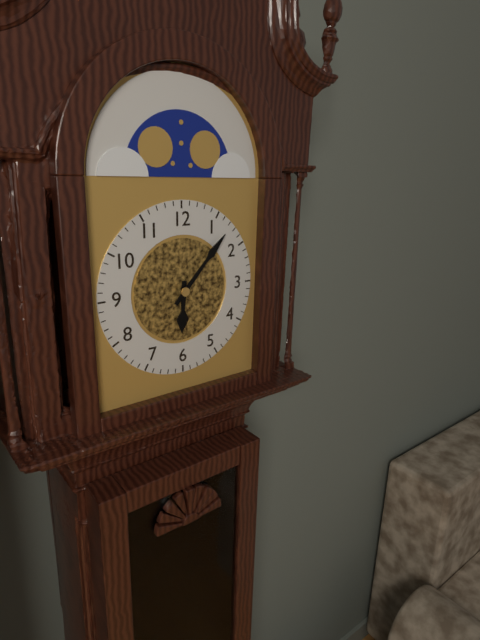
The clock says 6.07
